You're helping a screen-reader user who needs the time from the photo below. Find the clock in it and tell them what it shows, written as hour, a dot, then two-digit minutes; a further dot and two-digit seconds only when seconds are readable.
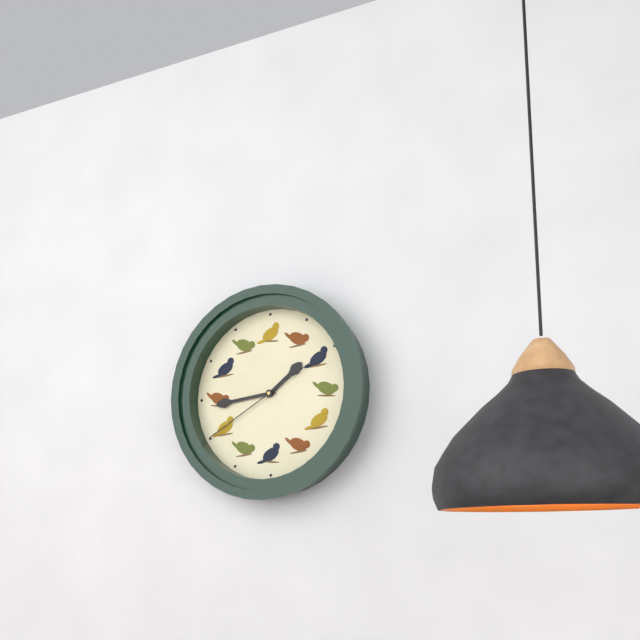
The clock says 1.44.40
